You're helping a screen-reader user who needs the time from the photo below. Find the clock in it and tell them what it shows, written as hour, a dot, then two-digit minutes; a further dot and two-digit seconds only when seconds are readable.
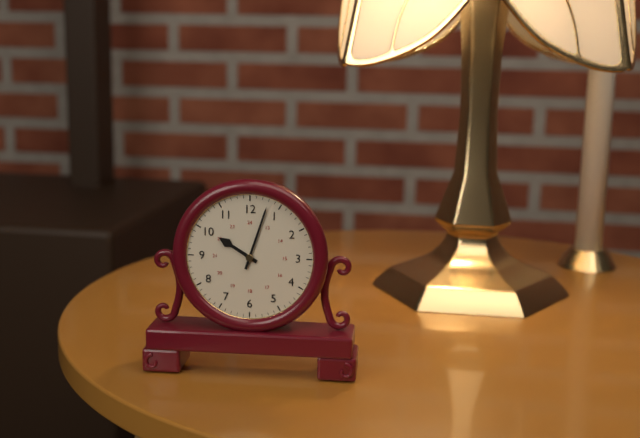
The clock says 10.03
